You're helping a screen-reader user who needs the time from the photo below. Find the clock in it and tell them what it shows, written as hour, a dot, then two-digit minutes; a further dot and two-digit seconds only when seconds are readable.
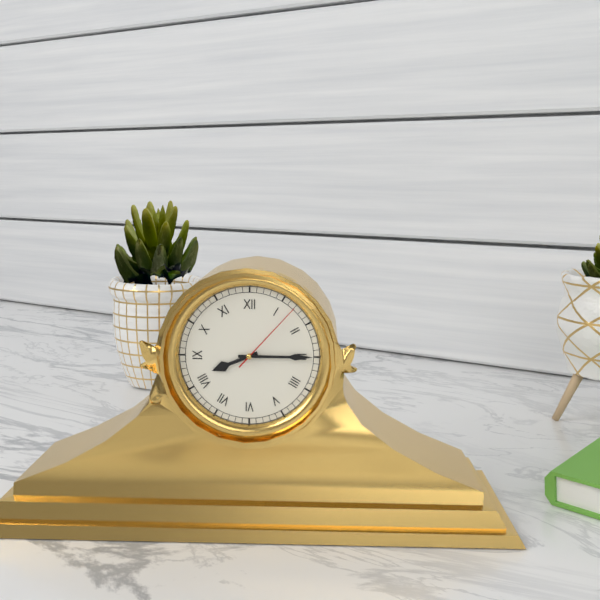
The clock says 8.15.07
